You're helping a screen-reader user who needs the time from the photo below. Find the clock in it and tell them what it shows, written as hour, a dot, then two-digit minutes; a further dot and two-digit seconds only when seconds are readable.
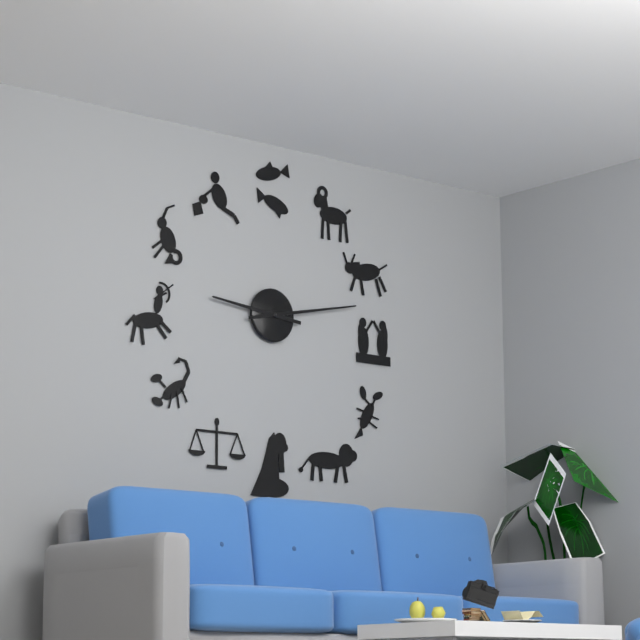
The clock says 9.13
